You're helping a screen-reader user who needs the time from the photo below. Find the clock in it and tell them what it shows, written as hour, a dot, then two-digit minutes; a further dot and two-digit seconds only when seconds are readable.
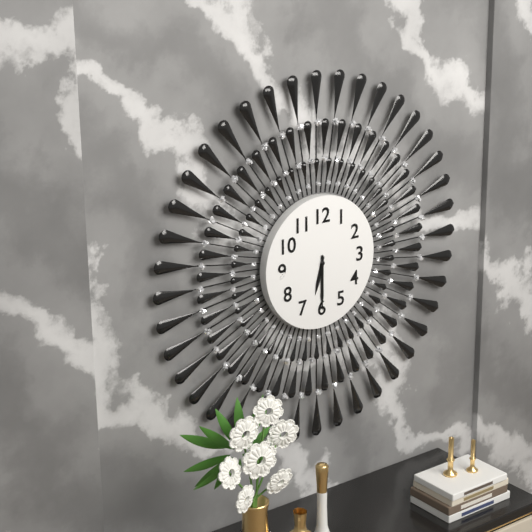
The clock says 6.30
